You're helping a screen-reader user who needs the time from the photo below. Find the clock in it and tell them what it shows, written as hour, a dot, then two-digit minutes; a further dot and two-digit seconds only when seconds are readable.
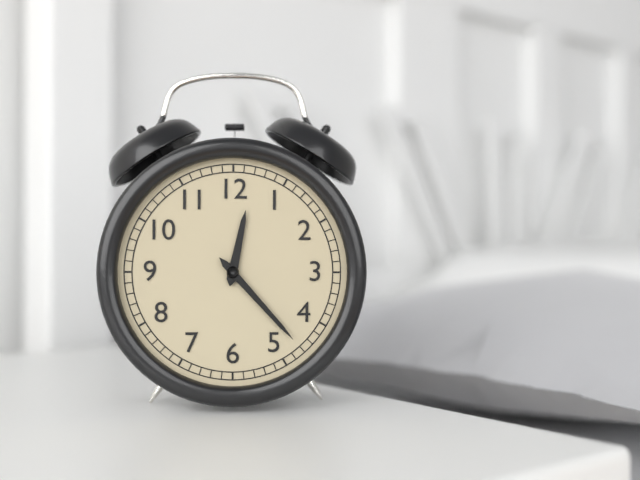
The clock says 12.23
